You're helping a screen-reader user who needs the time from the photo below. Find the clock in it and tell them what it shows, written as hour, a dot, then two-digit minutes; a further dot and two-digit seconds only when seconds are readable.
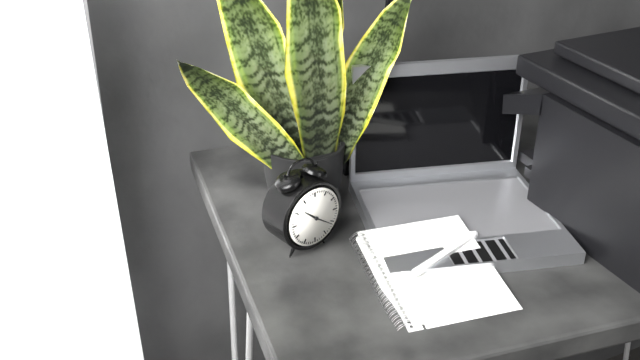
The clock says 10.21
